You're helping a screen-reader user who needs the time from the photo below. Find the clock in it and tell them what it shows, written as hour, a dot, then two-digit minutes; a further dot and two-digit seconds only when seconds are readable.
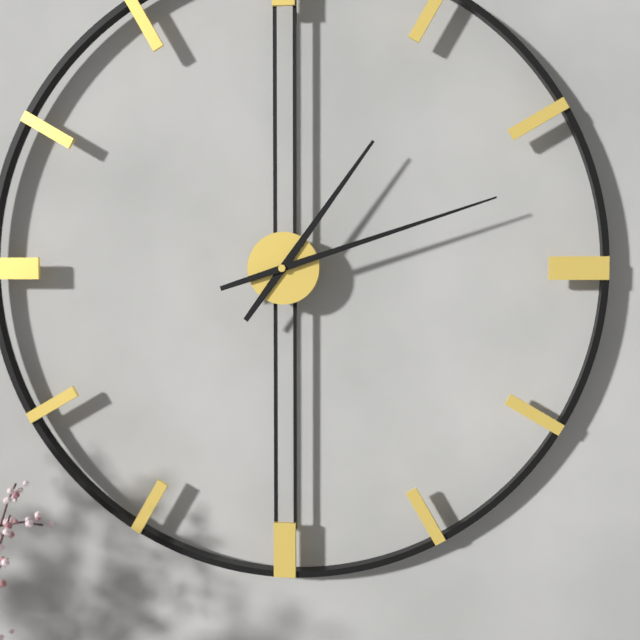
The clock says 1.12
